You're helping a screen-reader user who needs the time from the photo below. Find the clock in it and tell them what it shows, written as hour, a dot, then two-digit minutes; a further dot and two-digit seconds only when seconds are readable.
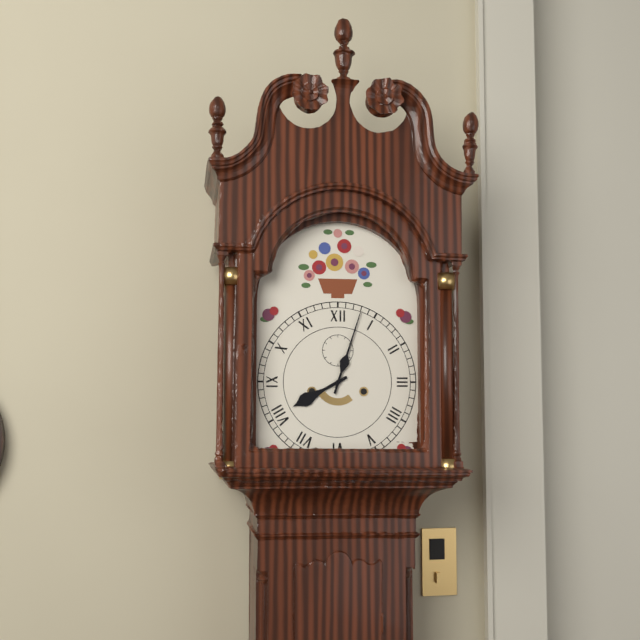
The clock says 8.03
